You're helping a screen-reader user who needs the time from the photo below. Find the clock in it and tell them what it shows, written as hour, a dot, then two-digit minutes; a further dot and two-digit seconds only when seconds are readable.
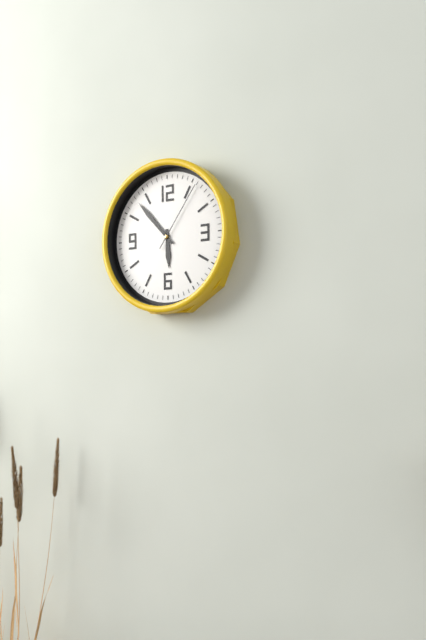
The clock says 5.53.06
